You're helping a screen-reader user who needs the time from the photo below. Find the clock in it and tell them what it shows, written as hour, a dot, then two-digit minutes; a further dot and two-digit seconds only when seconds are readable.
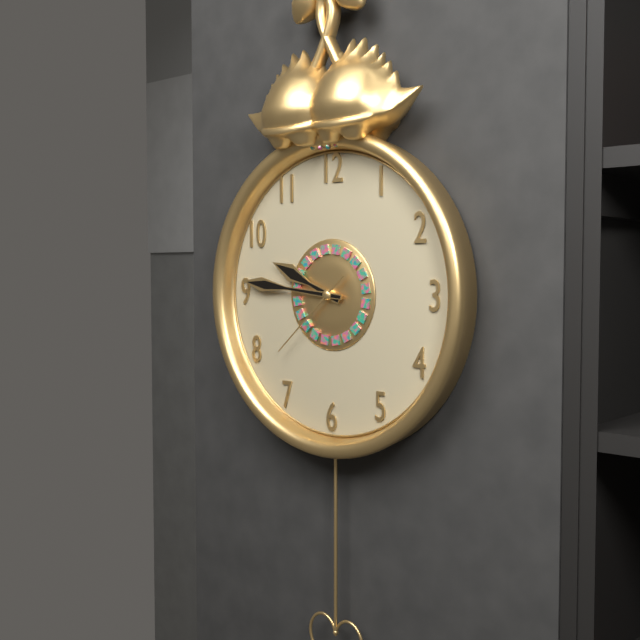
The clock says 9.46.38
